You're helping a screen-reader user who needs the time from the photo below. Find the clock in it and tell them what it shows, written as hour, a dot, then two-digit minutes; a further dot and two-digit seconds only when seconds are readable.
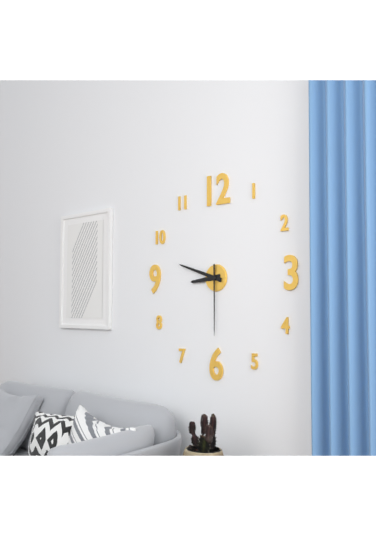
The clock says 8.48.30
